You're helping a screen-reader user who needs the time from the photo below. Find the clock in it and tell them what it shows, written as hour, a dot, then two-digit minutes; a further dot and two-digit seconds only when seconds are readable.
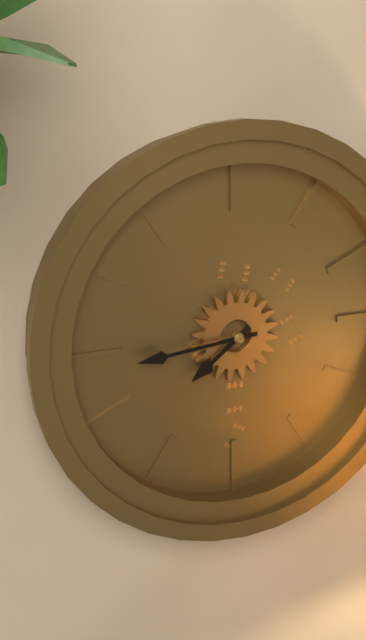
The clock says 7.44
